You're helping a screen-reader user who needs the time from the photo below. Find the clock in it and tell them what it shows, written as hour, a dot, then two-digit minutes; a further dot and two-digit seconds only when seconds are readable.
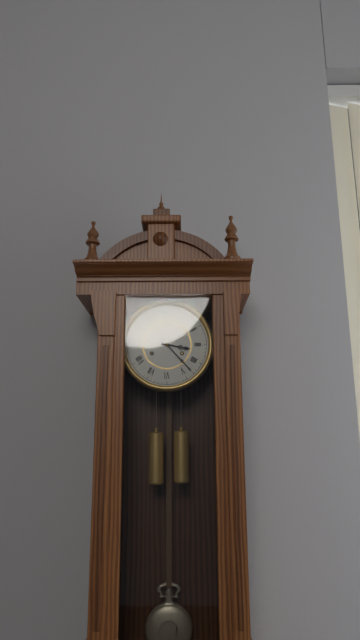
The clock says 3.23
